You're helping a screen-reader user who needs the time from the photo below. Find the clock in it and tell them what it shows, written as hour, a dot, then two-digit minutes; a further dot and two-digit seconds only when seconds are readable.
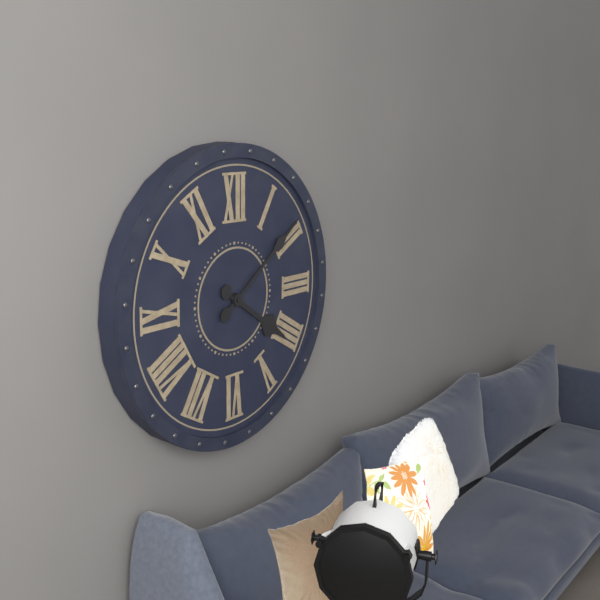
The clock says 4.09
